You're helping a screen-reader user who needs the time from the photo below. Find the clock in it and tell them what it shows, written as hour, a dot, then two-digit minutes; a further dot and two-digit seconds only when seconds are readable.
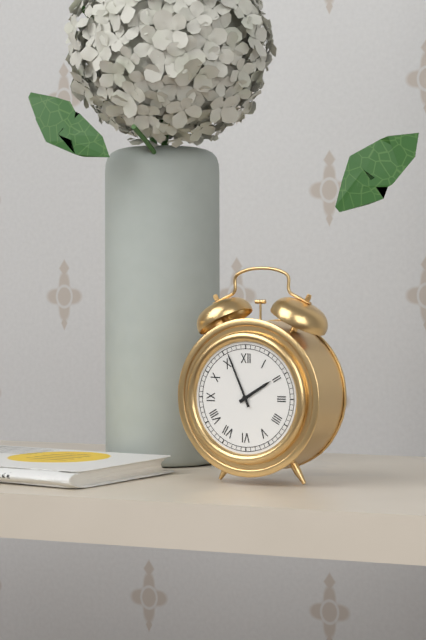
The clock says 1.56
